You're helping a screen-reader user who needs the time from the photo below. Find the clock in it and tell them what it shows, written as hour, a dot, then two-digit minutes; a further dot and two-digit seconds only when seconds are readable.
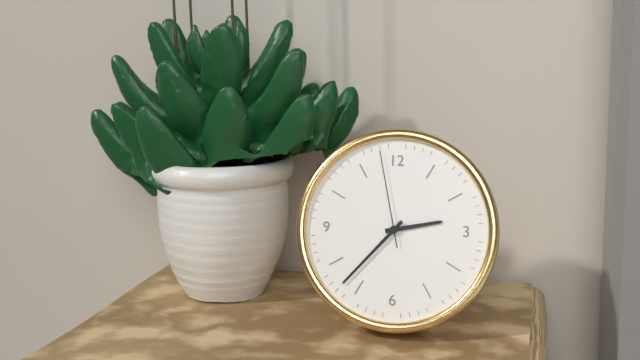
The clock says 2.37.58
